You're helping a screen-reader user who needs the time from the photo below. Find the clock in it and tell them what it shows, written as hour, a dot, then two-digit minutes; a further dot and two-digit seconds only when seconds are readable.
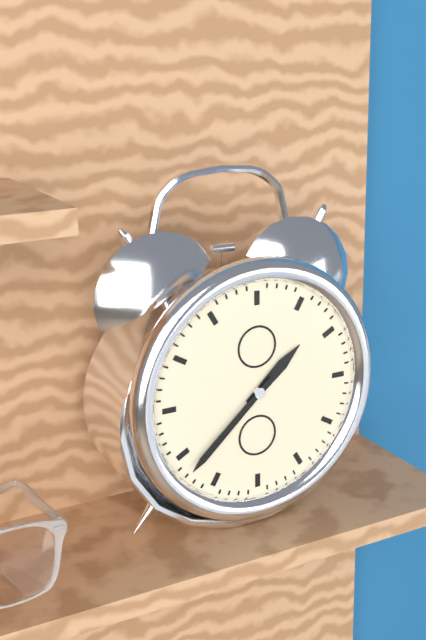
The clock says 1.38
